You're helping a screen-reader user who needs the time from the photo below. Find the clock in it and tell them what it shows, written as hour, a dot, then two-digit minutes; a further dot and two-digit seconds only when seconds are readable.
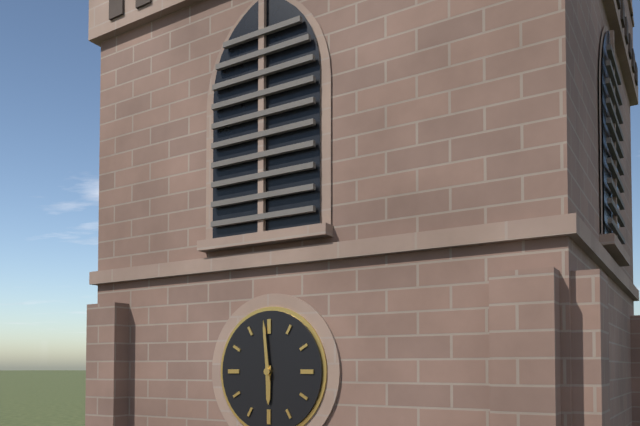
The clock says 5.59
